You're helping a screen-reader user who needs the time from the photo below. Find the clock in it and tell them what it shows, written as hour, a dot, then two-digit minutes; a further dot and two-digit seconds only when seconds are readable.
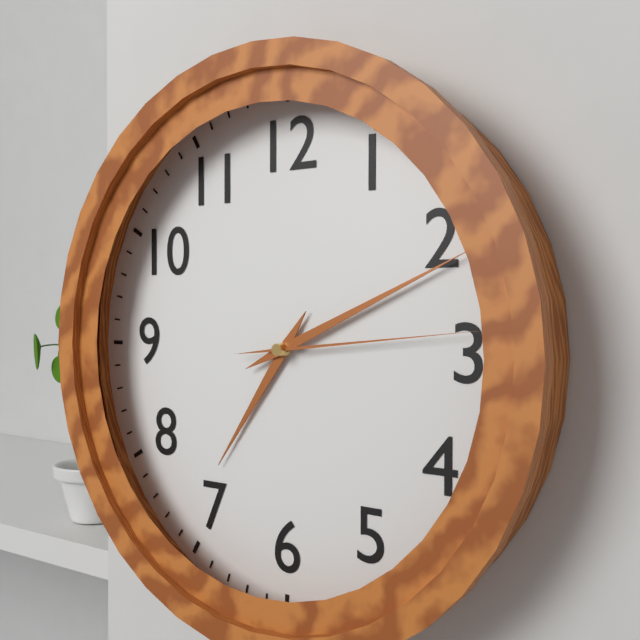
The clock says 7.11.14
